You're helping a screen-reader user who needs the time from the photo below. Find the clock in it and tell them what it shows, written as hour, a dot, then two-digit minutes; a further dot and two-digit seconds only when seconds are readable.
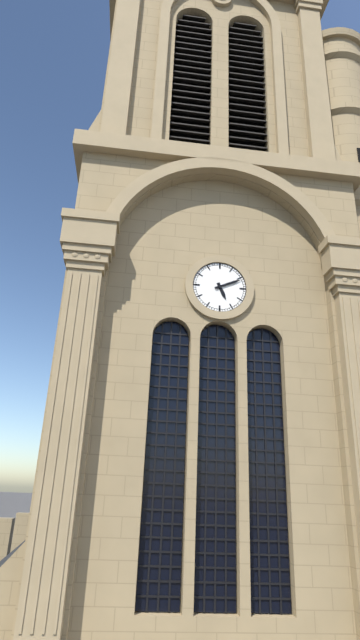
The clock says 5.11
